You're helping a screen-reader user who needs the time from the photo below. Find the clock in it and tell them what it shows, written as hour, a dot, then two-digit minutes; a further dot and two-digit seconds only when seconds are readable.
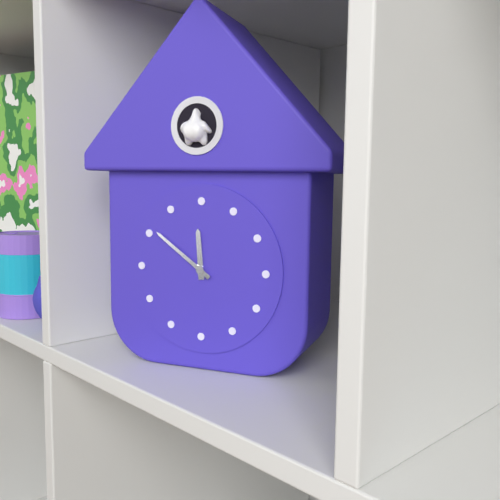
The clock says 11.51
